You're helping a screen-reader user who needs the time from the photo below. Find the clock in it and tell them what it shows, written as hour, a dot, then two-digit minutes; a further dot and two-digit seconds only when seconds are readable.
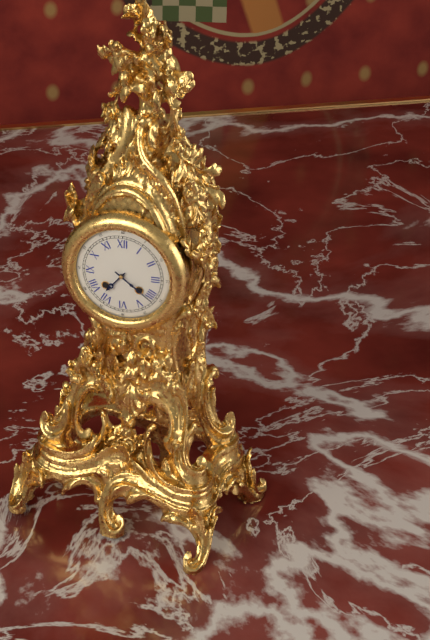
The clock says 7.21
